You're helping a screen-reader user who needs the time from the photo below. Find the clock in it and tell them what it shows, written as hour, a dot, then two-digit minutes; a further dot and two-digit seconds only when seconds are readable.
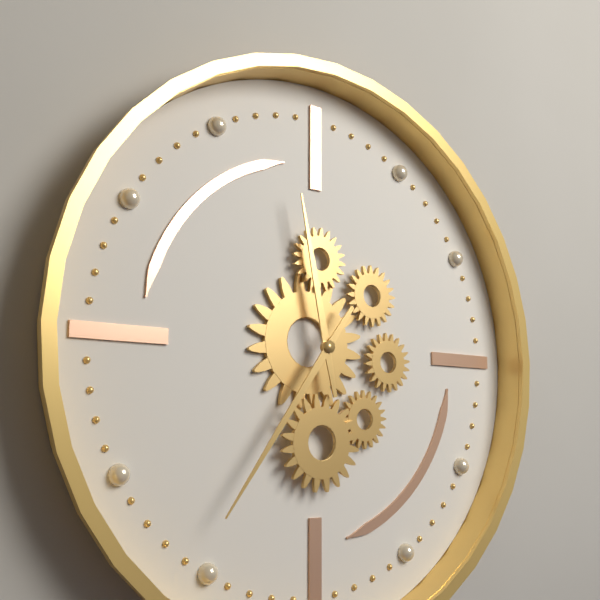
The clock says 11.36
